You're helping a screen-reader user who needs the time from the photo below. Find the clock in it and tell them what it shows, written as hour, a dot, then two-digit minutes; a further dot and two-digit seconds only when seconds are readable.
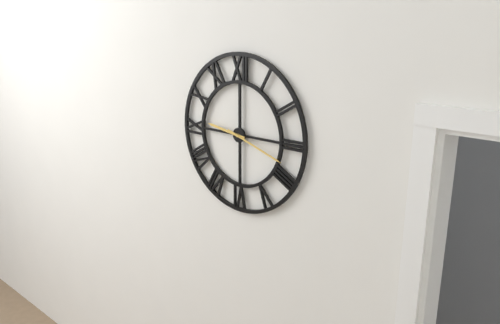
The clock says 9.18
